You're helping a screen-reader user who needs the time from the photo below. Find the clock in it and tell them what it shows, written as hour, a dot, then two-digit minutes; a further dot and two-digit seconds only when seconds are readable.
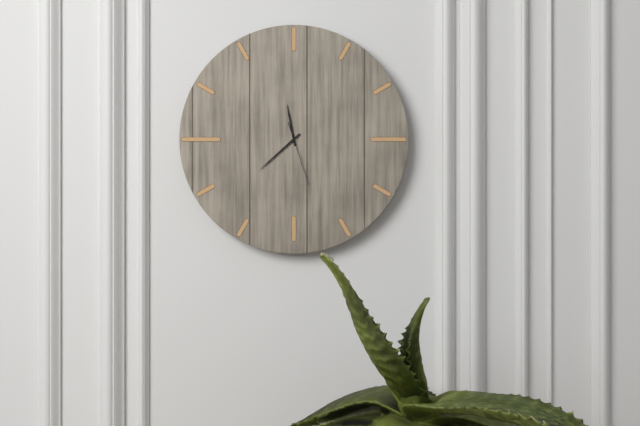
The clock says 11.38.27
